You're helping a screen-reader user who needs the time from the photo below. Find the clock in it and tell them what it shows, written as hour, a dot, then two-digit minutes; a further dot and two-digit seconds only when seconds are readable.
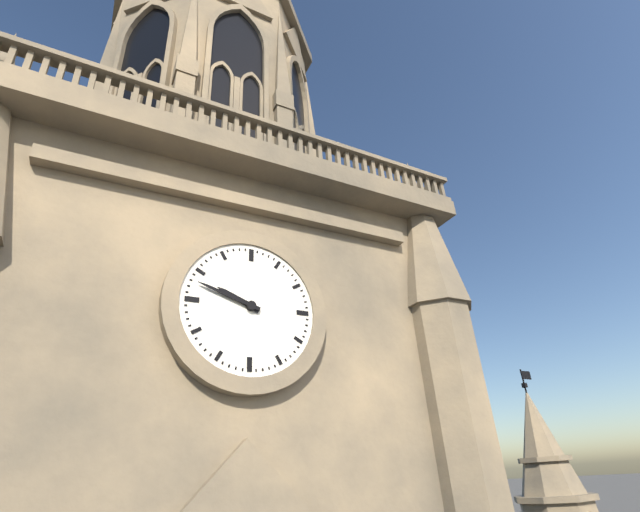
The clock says 9.48
